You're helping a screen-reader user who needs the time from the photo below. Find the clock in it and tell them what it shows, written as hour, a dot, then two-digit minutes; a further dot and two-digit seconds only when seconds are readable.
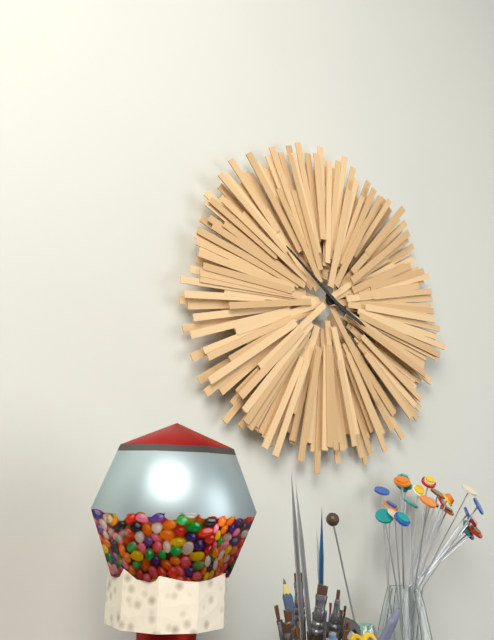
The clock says 3.51
